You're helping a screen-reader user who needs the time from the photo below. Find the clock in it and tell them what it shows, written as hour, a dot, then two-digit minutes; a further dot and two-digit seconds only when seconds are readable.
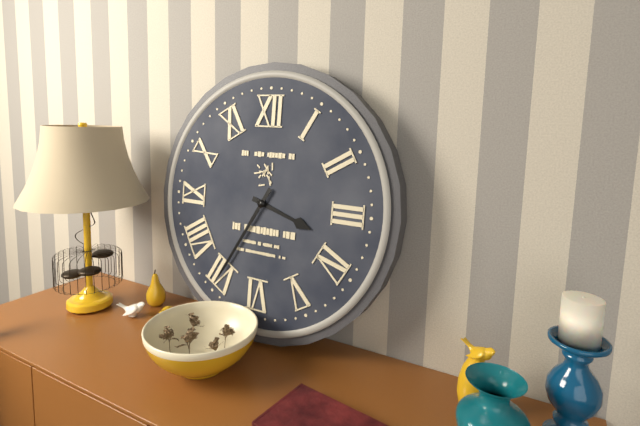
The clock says 3.35
